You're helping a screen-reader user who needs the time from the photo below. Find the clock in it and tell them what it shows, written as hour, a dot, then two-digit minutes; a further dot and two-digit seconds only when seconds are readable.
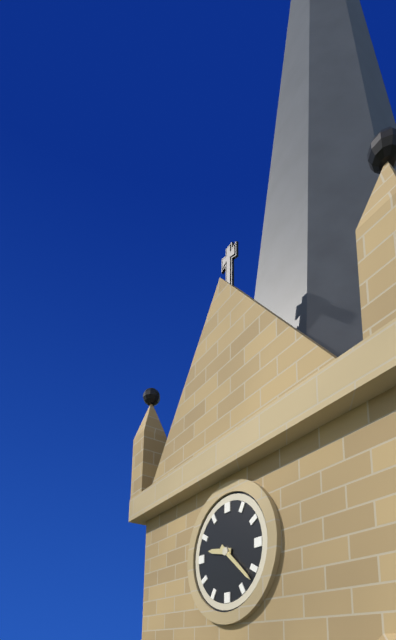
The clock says 9.22
